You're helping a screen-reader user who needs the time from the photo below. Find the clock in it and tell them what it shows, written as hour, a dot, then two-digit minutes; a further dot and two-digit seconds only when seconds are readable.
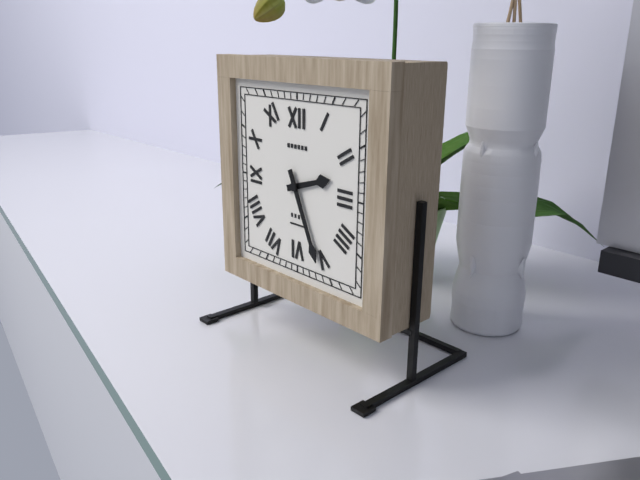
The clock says 2.26
